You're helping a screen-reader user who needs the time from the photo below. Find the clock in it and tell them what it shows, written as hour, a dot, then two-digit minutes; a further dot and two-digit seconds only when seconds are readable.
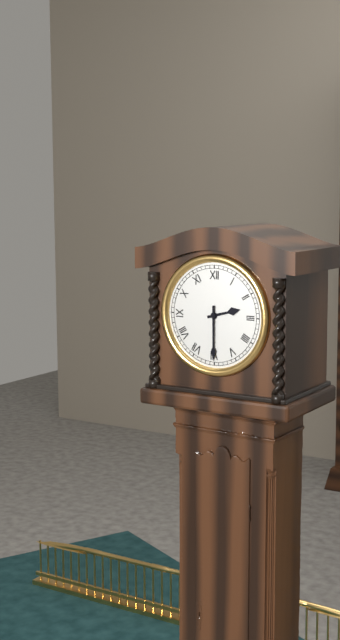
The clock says 2.30
